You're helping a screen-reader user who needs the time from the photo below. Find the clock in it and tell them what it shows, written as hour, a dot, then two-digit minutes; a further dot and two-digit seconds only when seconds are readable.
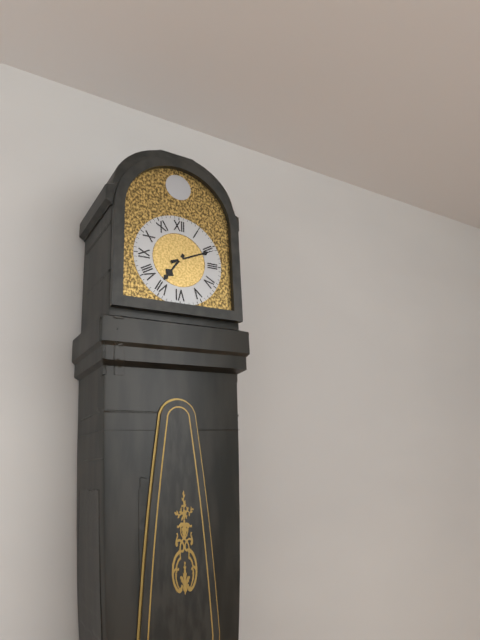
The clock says 7.11
